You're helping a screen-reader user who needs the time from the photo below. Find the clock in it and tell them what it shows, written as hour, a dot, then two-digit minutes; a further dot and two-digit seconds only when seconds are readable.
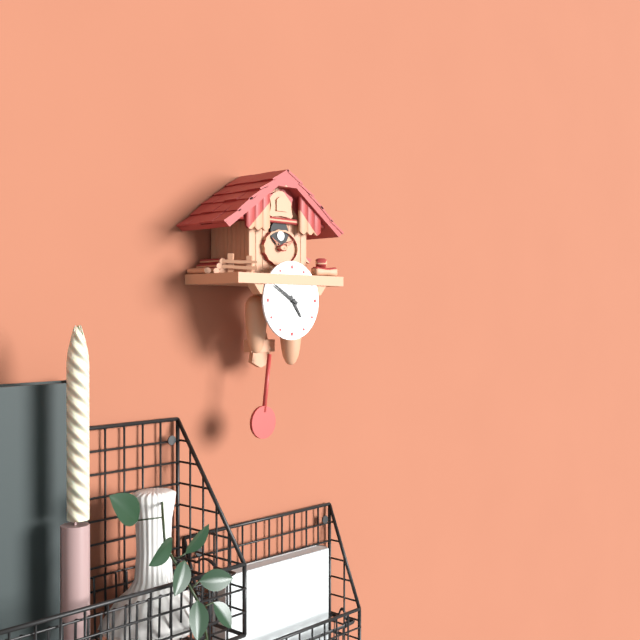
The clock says 4.50
